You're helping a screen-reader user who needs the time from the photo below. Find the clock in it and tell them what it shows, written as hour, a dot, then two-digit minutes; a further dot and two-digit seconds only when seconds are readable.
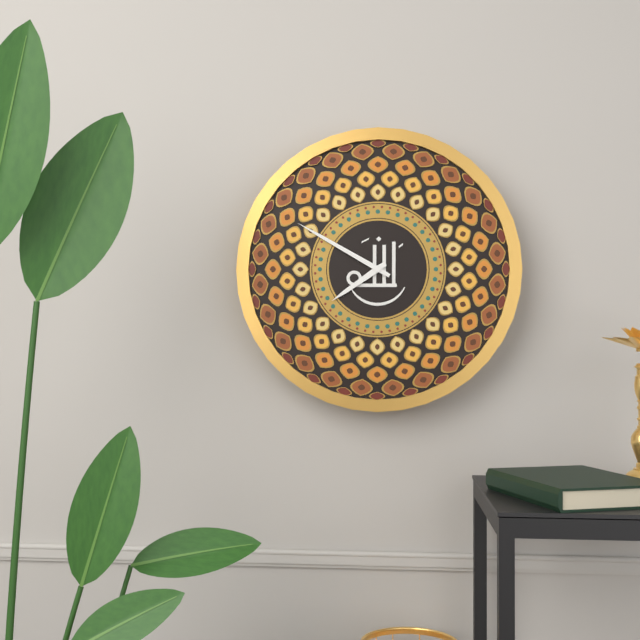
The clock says 7.50
